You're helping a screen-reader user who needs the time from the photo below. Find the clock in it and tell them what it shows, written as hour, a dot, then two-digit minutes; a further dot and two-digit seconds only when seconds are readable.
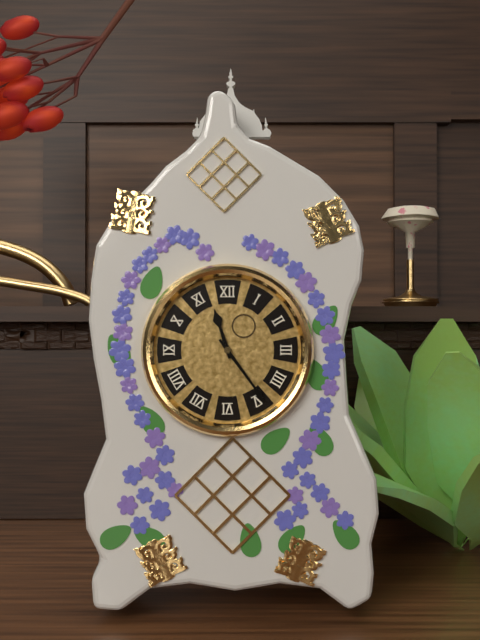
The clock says 11.24
